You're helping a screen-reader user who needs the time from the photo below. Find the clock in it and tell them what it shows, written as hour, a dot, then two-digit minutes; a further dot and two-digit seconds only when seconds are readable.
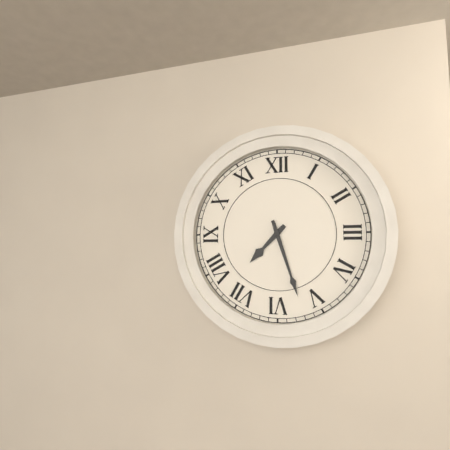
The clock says 7.27
